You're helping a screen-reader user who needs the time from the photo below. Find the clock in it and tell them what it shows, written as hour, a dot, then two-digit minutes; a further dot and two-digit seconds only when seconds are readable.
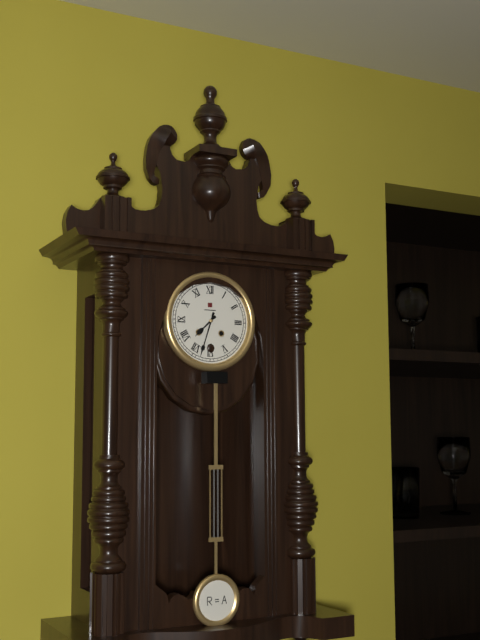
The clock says 7.33
